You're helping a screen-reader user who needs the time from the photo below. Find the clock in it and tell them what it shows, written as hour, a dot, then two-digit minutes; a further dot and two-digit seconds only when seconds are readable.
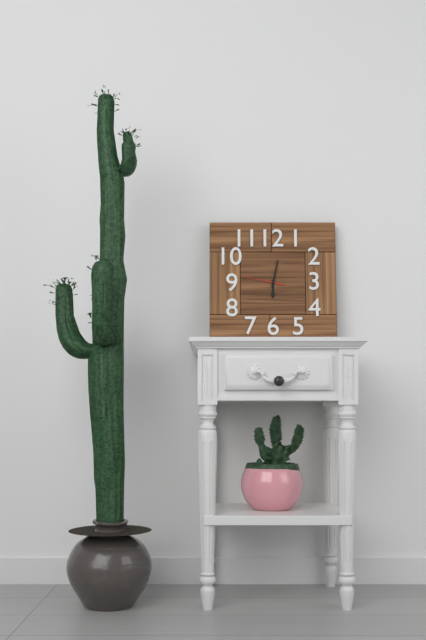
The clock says 6.02
